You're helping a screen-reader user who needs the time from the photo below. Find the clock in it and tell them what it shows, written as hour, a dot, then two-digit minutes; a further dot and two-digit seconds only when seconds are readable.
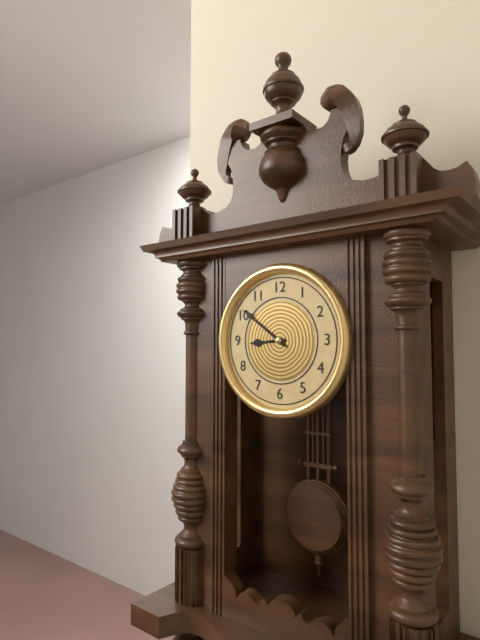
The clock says 8.51
